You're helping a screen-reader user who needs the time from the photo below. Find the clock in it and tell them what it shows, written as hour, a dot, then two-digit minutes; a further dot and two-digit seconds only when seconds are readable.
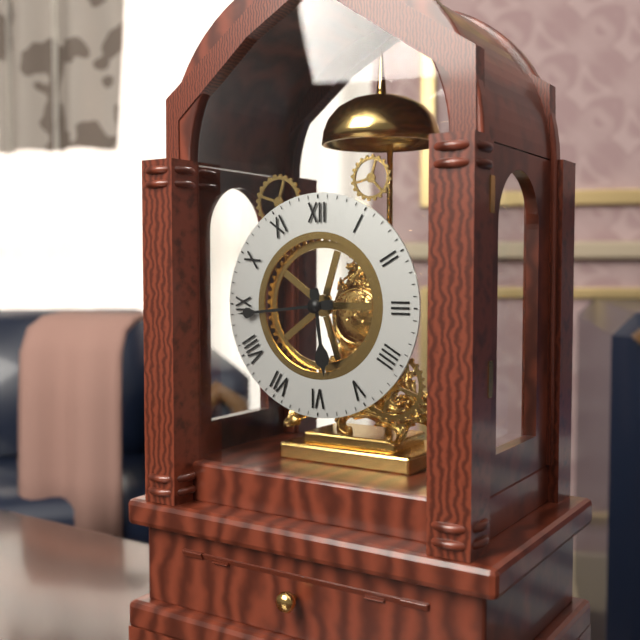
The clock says 5.44
